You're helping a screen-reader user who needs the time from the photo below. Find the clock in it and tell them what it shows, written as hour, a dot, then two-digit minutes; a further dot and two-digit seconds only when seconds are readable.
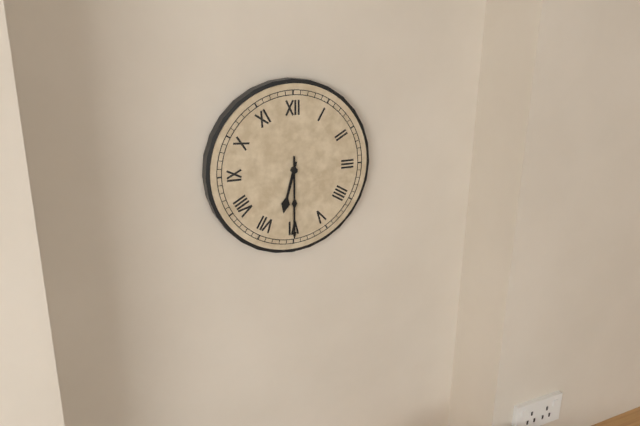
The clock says 6.30
